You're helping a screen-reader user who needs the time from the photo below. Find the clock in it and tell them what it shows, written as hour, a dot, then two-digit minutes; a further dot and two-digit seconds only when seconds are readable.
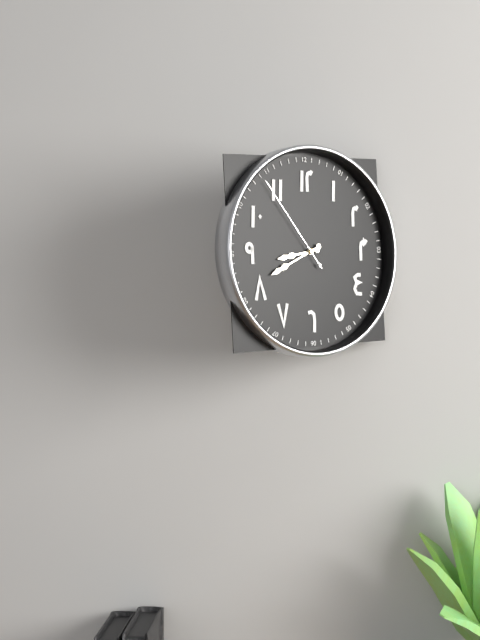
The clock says 8.41.54
